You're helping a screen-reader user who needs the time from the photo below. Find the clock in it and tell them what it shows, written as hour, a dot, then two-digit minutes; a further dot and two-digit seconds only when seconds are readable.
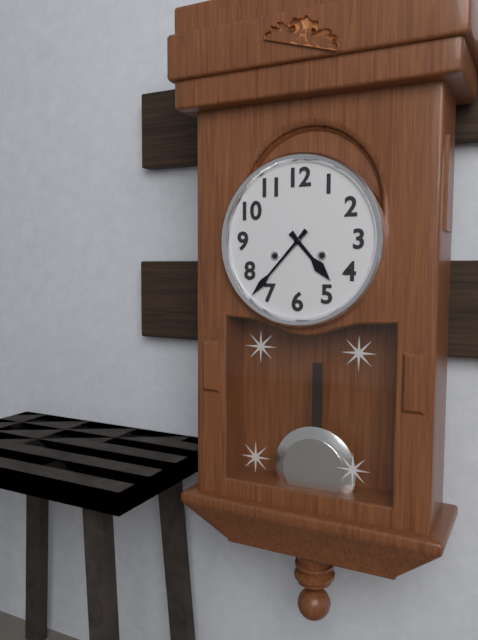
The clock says 4.37
